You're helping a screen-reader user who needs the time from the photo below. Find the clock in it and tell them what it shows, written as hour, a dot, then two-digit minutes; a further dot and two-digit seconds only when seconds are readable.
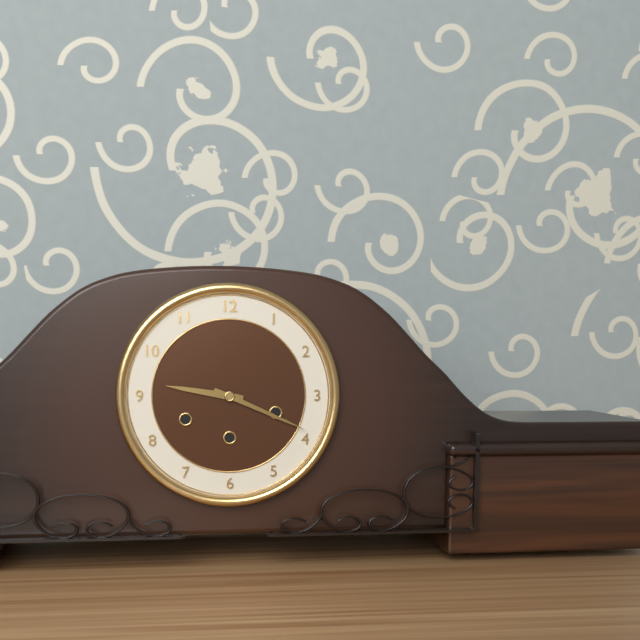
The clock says 9.19
